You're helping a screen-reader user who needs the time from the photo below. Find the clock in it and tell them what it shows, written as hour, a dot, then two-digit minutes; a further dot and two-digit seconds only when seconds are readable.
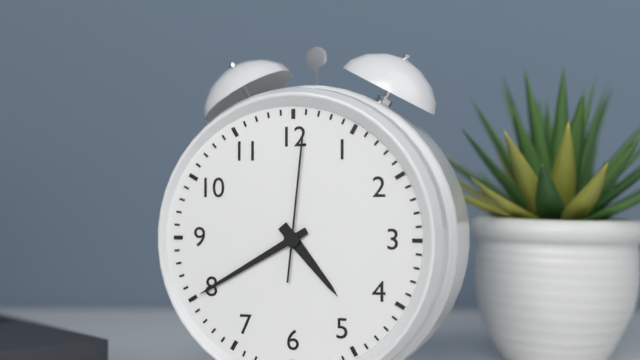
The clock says 4.40.01
